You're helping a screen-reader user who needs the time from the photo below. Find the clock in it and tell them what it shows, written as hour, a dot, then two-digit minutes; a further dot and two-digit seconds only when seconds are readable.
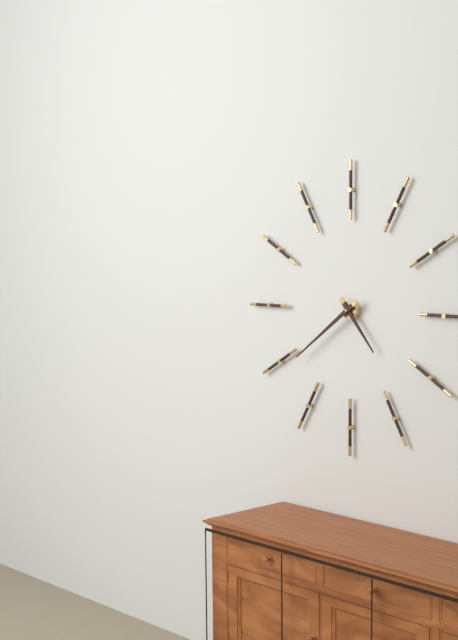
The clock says 4.39
